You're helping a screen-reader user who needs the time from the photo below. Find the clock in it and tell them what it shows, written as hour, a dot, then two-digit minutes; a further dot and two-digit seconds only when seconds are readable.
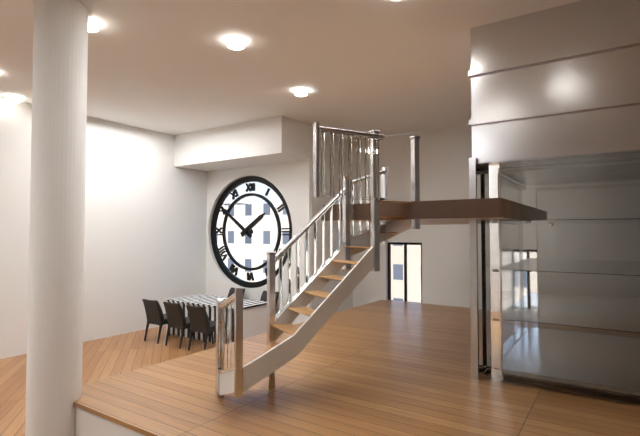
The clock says 1.51
